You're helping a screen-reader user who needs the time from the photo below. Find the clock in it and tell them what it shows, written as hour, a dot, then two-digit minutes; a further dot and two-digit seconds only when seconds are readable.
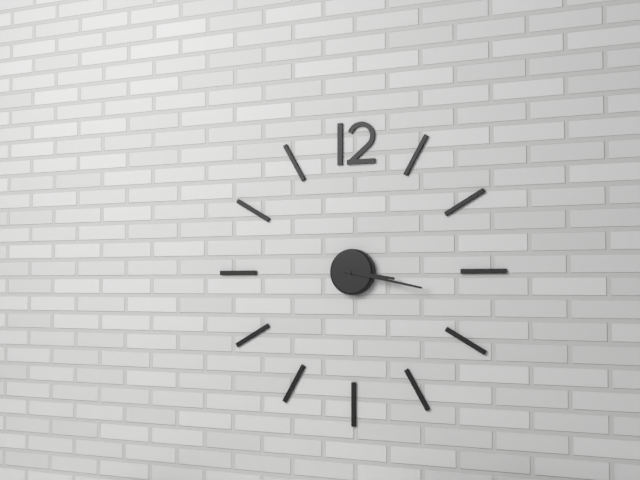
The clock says 3.17
